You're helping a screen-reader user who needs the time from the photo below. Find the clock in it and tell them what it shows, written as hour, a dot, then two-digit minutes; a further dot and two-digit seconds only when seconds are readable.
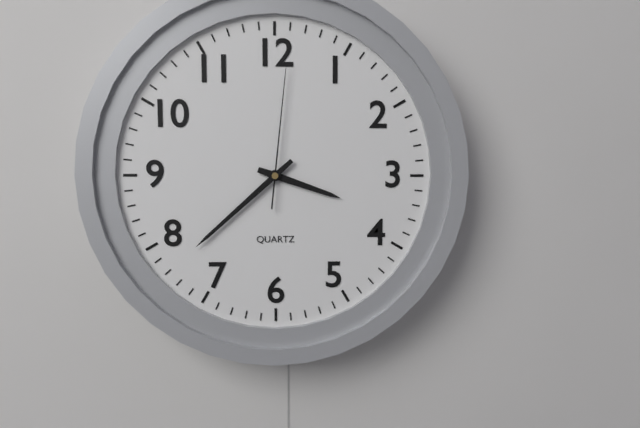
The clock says 3.38.01
